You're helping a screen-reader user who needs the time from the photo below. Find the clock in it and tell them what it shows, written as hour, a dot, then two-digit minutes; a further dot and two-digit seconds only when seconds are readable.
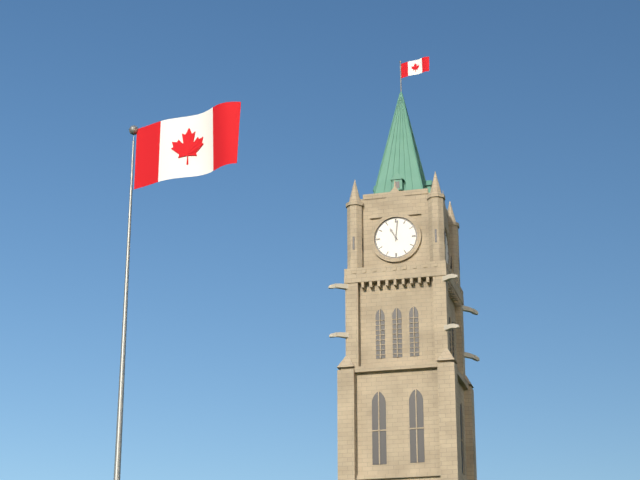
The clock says 11.01
